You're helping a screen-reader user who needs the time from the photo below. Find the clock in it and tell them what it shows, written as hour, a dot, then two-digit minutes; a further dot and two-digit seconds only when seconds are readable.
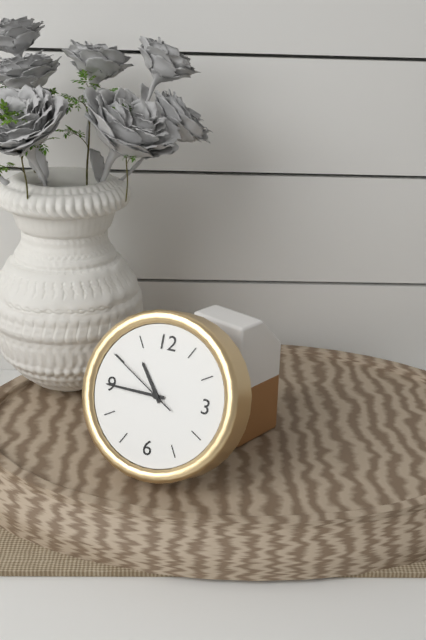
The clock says 10.45.50
